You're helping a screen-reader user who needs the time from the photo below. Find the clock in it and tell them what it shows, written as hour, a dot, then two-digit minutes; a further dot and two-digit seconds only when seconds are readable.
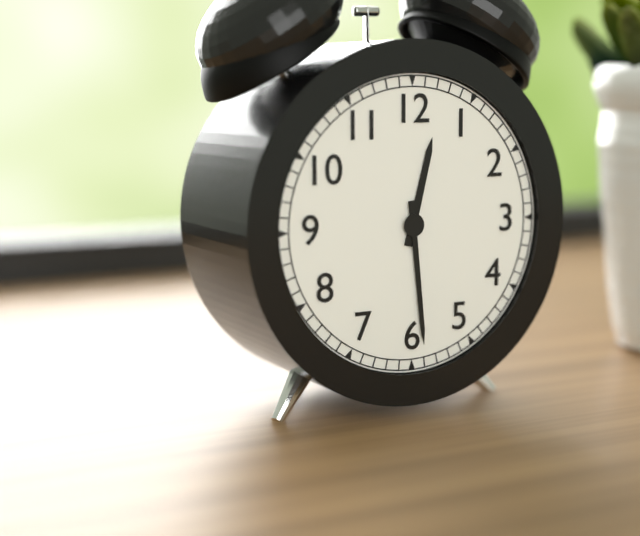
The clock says 12.29
